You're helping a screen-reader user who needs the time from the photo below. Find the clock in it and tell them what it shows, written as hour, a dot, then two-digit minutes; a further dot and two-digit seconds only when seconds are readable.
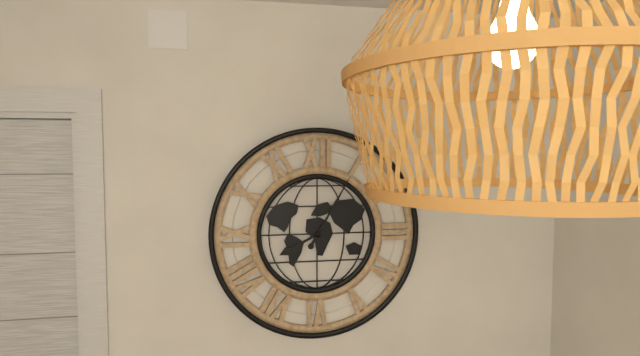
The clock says 8.05
